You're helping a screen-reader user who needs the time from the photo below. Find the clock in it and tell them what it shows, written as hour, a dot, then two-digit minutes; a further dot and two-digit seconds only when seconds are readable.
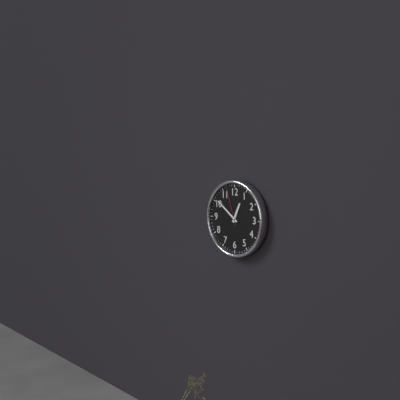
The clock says 12.51
